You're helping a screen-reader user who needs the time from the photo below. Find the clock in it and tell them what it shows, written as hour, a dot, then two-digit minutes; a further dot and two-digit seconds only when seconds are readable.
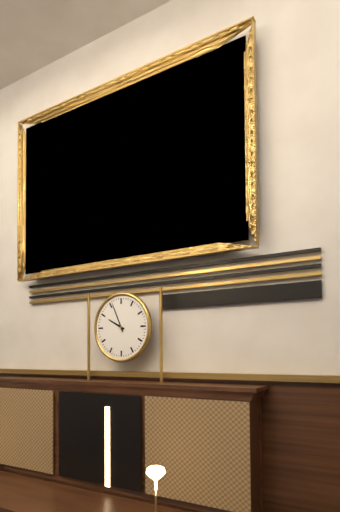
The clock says 9.56
